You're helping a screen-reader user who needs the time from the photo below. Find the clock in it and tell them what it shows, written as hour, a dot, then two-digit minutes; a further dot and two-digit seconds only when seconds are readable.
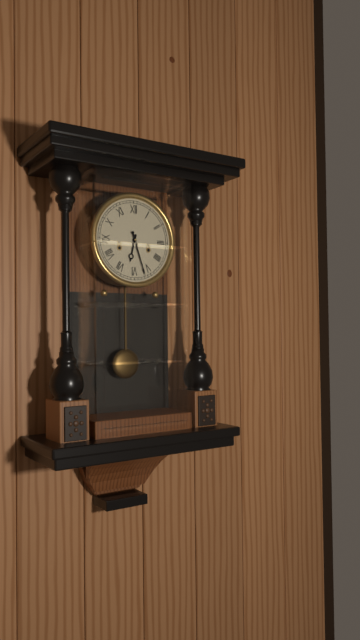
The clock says 6.27
